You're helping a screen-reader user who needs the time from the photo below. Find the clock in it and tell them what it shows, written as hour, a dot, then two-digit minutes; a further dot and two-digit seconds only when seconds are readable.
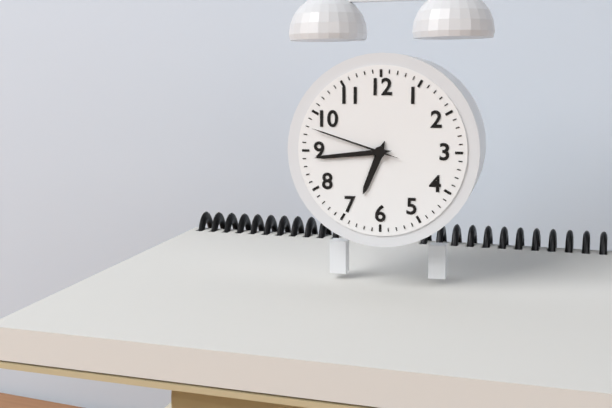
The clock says 6.44.48
